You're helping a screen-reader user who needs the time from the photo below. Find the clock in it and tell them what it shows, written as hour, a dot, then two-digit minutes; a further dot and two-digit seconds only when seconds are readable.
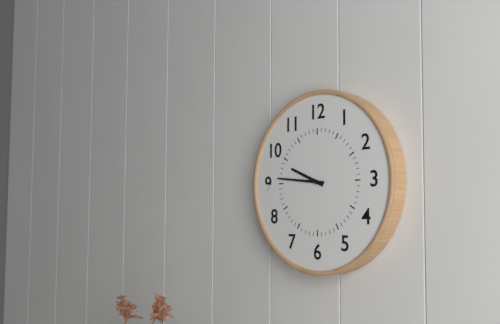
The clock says 9.46
